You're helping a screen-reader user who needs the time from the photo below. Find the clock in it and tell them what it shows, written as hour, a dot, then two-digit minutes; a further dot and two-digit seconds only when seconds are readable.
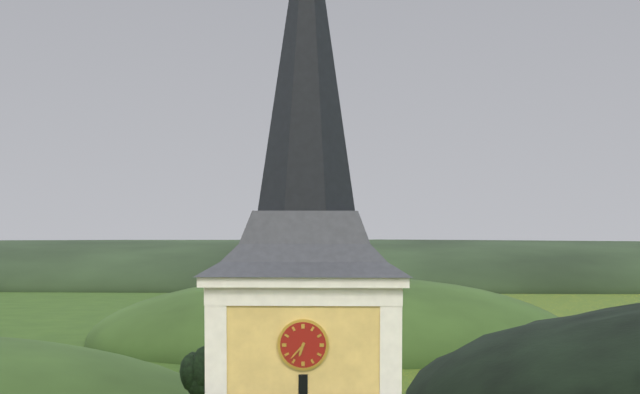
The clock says 6.37
